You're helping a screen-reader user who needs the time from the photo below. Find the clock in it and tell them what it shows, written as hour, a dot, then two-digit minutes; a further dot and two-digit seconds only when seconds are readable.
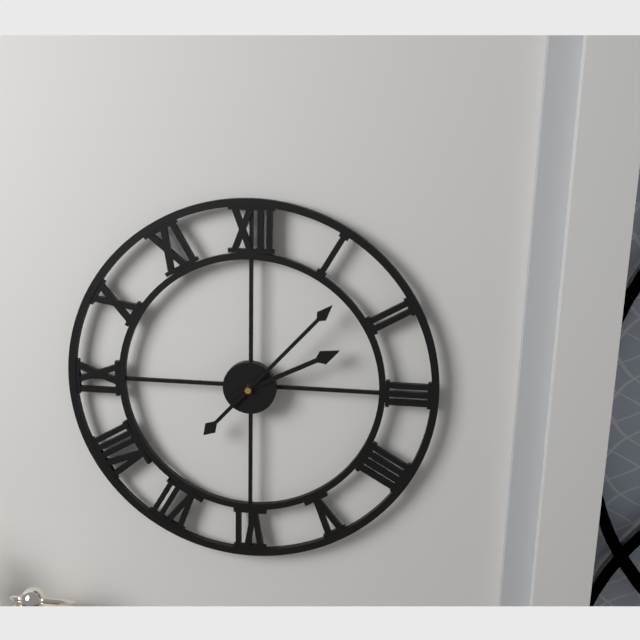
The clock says 2.07
